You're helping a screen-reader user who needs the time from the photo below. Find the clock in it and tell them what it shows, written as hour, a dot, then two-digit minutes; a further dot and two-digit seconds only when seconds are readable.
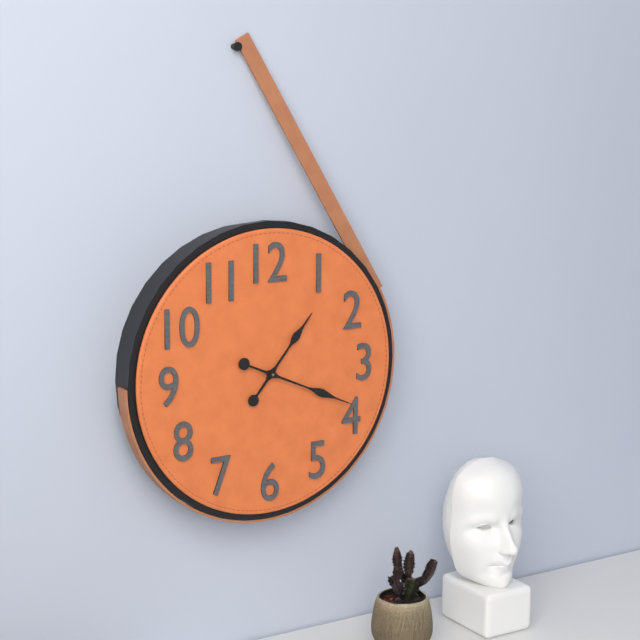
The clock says 1.19
